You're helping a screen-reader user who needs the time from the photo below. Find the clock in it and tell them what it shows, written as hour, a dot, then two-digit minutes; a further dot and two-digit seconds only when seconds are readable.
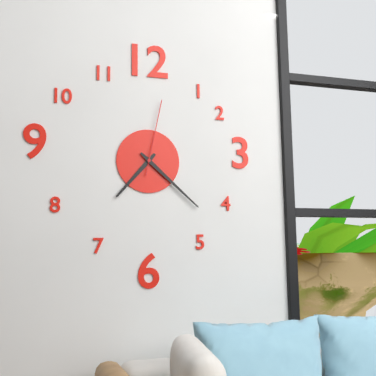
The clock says 7.22.02
